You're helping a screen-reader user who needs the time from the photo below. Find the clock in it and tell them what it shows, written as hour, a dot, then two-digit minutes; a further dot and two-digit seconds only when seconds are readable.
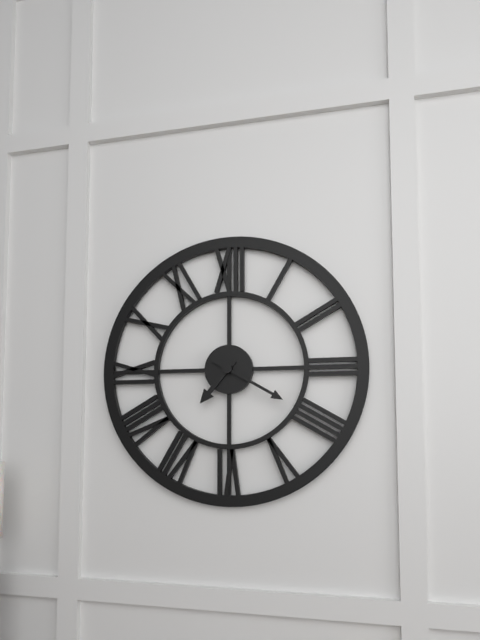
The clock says 7.20
